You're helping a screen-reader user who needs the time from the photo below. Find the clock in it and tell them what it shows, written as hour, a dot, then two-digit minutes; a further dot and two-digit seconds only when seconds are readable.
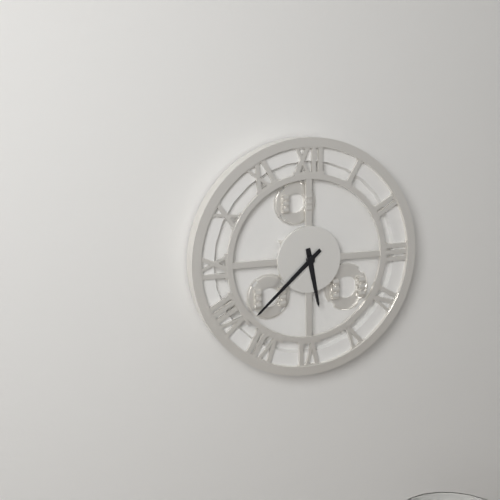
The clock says 5.38
